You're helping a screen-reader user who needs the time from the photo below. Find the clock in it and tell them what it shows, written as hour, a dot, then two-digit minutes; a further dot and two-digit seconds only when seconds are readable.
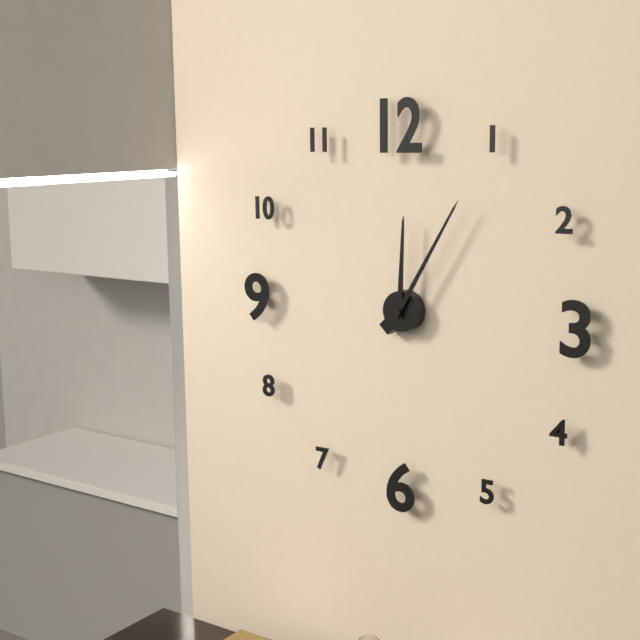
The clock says 12.05
